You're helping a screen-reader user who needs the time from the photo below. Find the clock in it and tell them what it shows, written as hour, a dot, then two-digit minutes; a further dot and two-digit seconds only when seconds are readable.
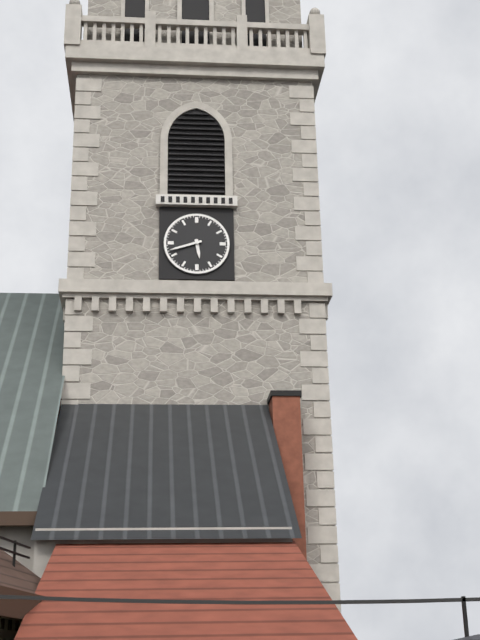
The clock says 5.42
